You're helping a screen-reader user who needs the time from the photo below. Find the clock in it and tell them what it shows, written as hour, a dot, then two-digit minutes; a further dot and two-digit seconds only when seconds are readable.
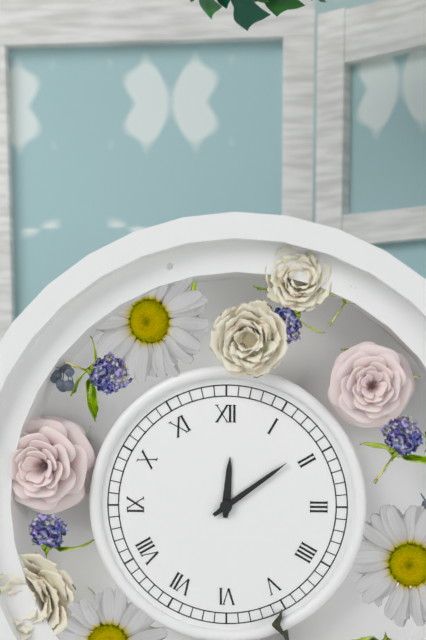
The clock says 12.09
